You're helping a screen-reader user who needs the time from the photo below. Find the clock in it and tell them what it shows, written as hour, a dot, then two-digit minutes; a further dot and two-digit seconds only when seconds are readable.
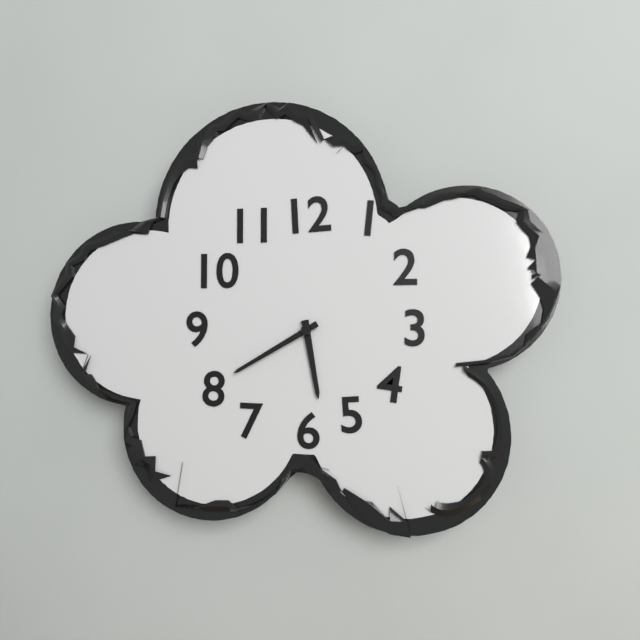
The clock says 5.40
